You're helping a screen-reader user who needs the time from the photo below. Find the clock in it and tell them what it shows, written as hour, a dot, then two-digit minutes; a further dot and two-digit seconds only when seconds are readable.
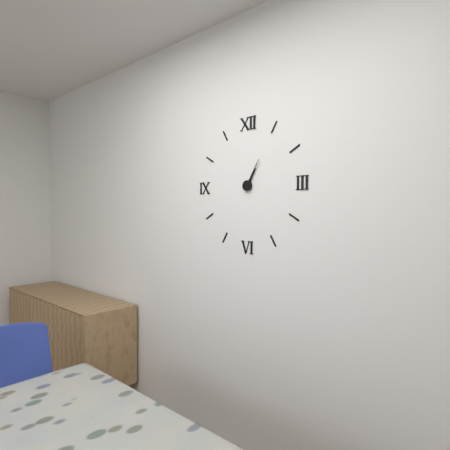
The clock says 1.05
